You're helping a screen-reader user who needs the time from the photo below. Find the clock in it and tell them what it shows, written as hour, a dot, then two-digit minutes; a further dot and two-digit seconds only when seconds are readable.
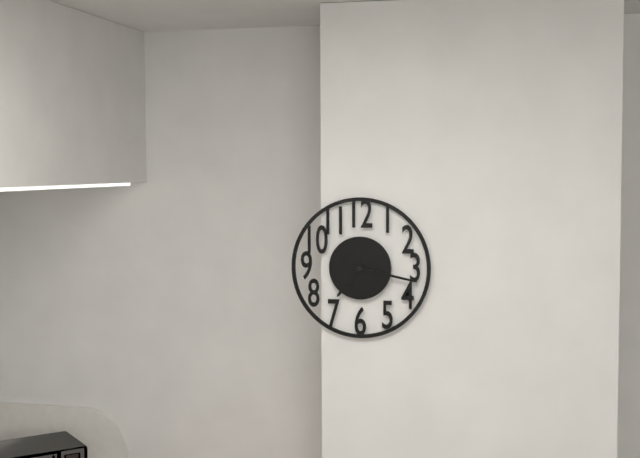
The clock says 7.17
